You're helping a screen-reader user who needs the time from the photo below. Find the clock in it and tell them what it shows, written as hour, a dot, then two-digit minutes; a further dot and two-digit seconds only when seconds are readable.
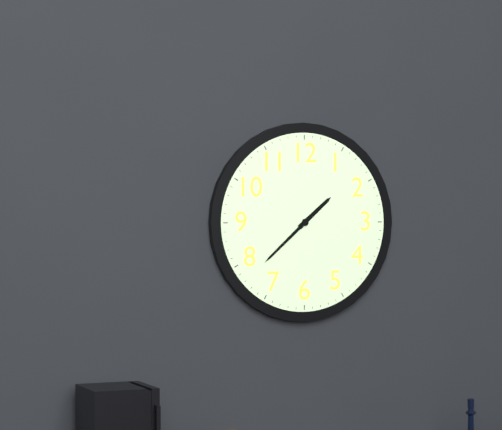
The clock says 1.38
